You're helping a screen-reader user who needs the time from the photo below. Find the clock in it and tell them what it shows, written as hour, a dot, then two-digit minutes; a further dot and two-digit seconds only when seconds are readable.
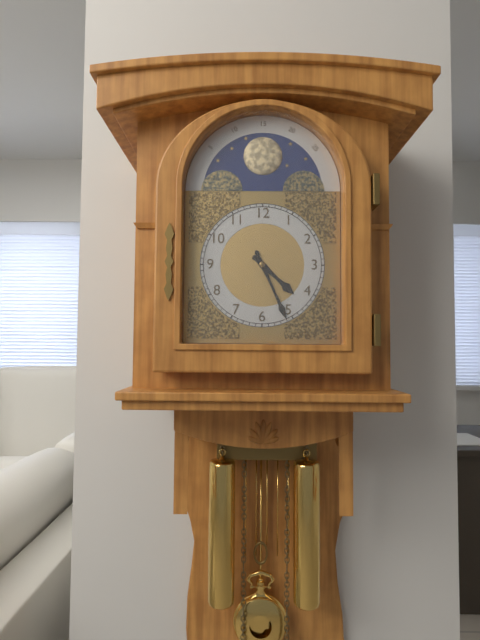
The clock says 4.26
